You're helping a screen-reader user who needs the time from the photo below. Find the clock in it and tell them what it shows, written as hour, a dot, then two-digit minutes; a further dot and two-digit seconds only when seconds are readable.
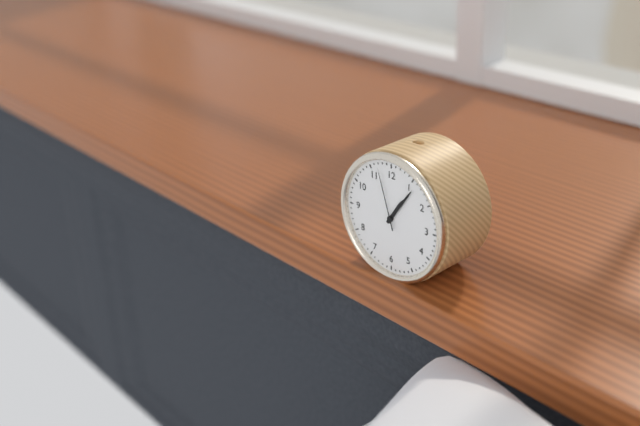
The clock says 1.06.57
